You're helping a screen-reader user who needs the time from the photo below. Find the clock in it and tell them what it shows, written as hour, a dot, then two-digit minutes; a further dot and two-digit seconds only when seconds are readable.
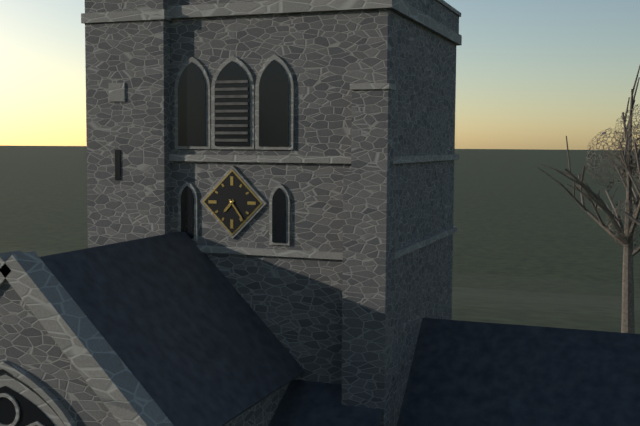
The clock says 7.24
